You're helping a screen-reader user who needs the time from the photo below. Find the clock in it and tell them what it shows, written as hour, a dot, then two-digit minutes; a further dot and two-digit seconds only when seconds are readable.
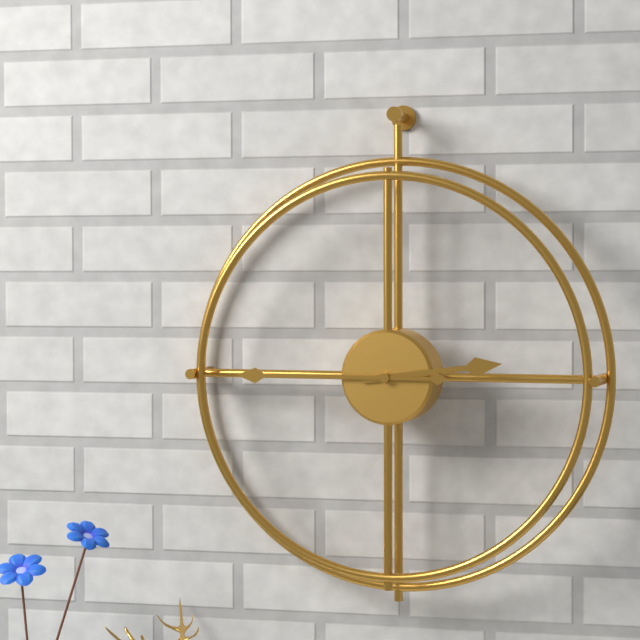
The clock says 2.45
